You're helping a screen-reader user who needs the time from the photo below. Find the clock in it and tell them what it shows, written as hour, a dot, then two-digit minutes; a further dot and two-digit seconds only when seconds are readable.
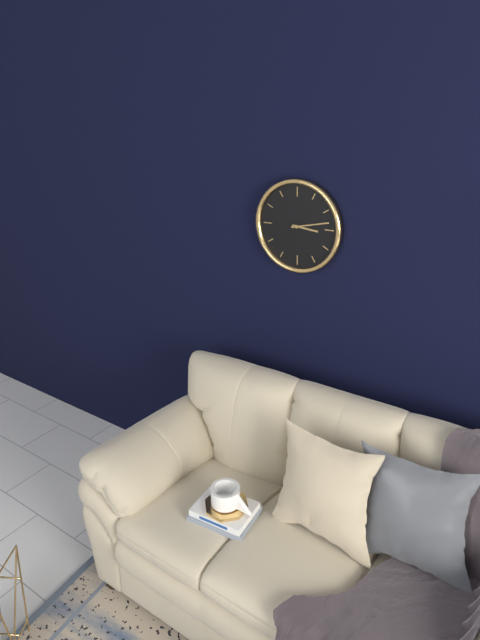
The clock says 3.13
